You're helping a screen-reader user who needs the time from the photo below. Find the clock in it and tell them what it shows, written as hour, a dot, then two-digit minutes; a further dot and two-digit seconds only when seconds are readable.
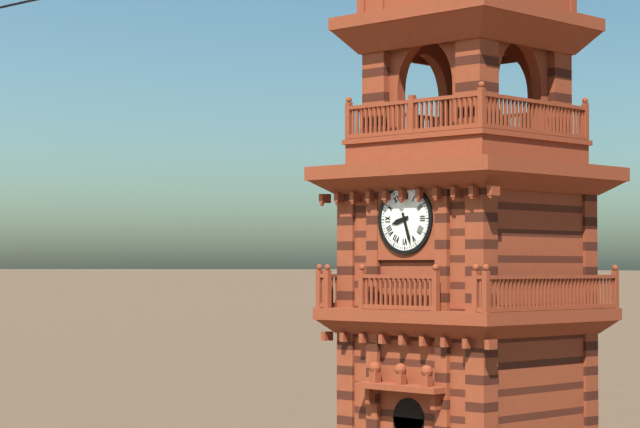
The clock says 8.27
